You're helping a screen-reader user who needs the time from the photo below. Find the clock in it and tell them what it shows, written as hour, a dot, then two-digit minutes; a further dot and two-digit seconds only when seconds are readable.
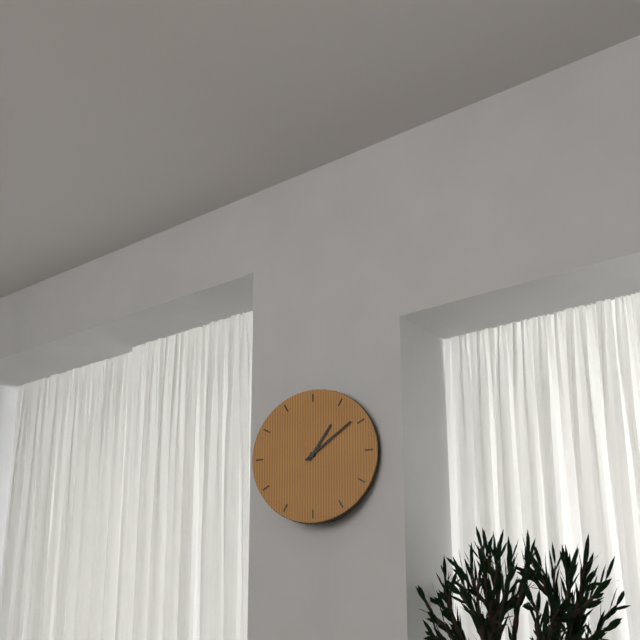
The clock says 1.09
